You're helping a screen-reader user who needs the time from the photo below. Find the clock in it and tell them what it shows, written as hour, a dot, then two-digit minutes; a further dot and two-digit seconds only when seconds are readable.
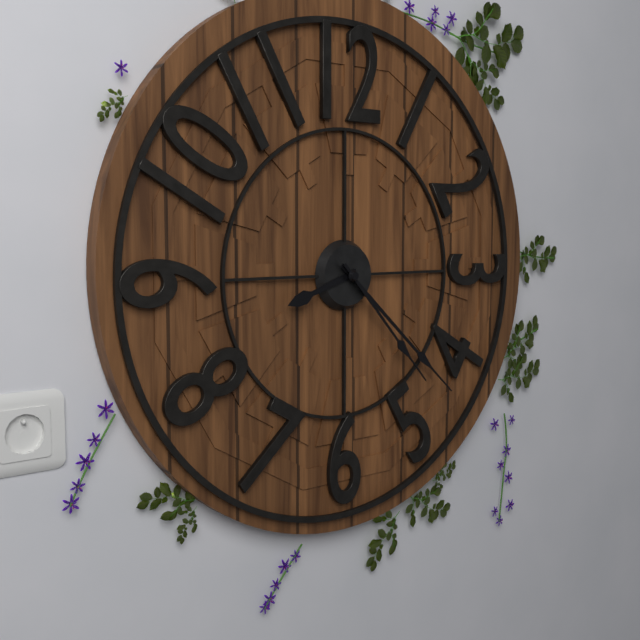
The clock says 8.22.23
